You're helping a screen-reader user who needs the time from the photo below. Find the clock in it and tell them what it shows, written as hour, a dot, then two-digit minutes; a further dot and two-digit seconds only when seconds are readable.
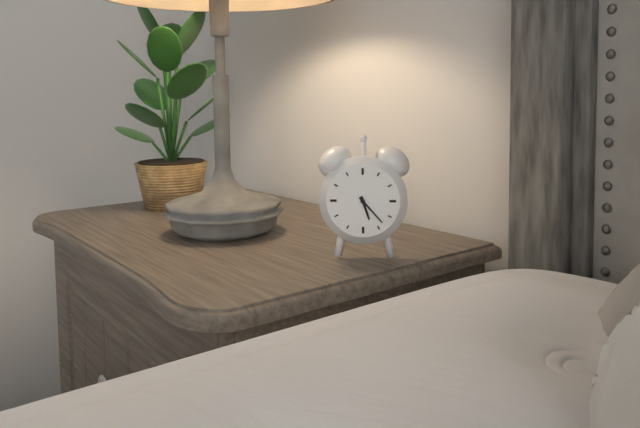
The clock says 5.23
